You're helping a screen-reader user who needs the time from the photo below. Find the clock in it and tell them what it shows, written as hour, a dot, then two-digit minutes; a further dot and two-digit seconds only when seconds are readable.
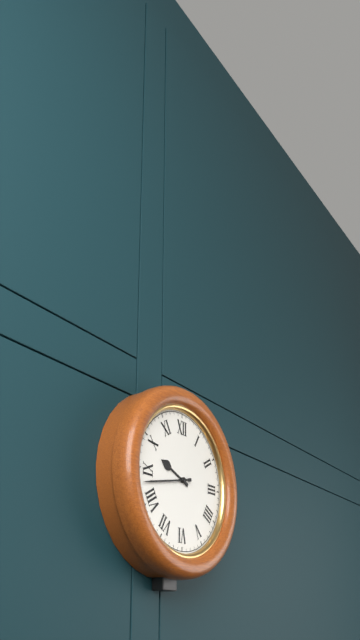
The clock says 9.43
